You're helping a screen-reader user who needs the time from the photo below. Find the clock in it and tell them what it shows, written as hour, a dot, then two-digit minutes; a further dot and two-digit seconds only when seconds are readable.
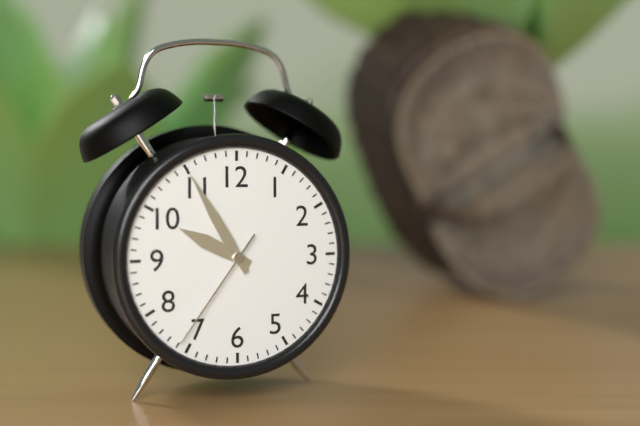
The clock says 9.55.36
